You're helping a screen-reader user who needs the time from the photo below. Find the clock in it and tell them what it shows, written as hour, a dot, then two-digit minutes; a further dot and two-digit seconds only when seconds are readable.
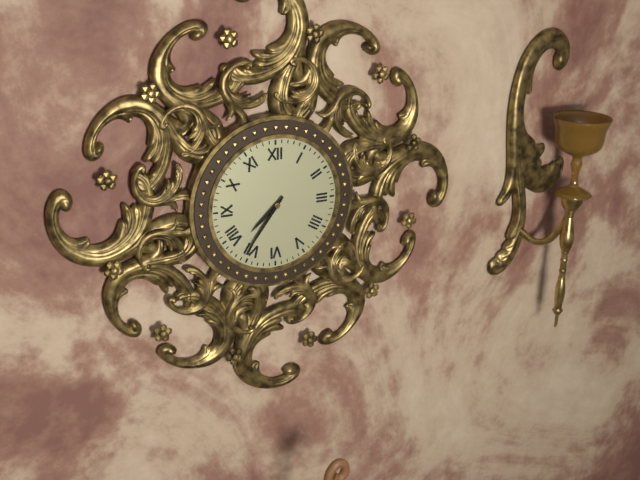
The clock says 7.36
